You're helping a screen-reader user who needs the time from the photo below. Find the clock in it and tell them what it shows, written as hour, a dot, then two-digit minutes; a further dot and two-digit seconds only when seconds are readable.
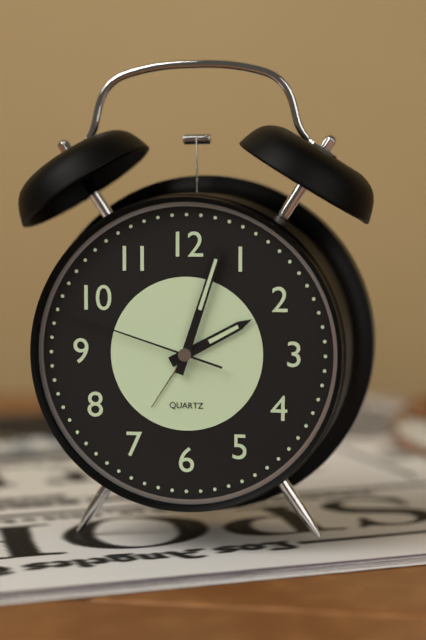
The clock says 2.03.48
